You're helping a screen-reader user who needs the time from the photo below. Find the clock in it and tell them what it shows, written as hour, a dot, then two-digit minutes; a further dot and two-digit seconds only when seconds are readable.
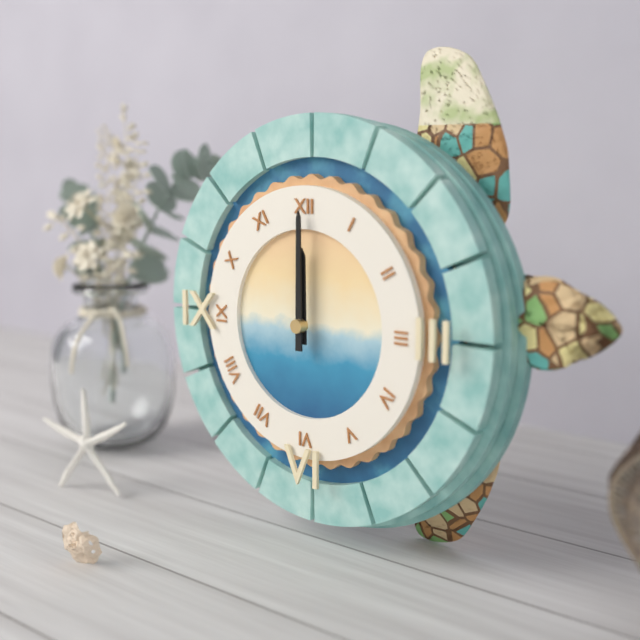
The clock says 12.00
